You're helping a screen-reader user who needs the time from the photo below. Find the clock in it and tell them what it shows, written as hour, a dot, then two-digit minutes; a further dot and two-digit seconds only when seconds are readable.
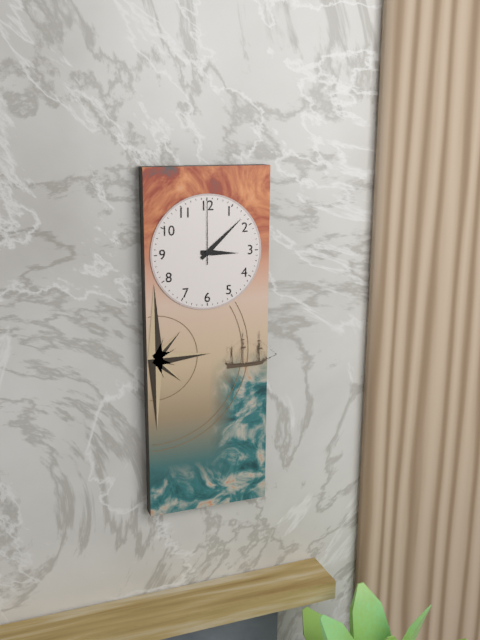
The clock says 3.08.00
